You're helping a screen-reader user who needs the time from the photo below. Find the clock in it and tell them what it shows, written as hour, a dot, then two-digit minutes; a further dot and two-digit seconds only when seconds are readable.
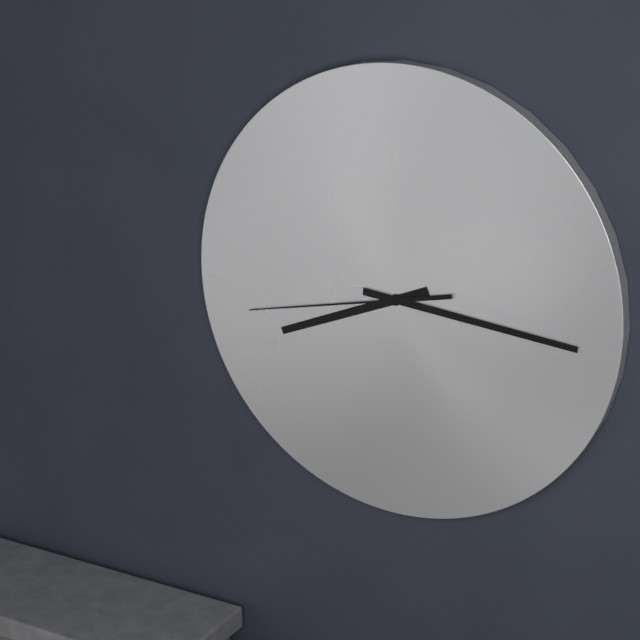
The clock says 8.16.43
